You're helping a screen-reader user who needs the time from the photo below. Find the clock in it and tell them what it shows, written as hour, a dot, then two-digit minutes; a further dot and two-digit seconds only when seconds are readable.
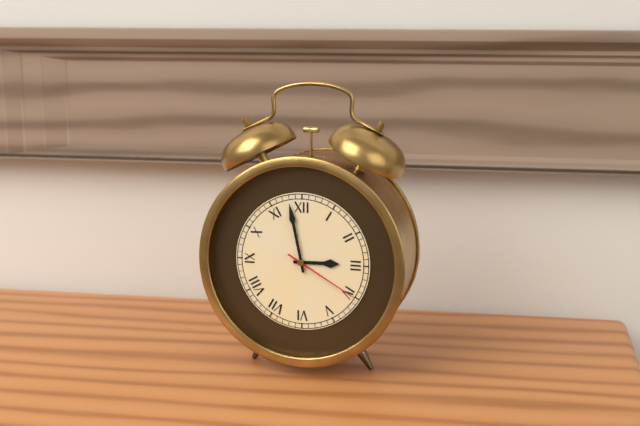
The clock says 2.58.20
